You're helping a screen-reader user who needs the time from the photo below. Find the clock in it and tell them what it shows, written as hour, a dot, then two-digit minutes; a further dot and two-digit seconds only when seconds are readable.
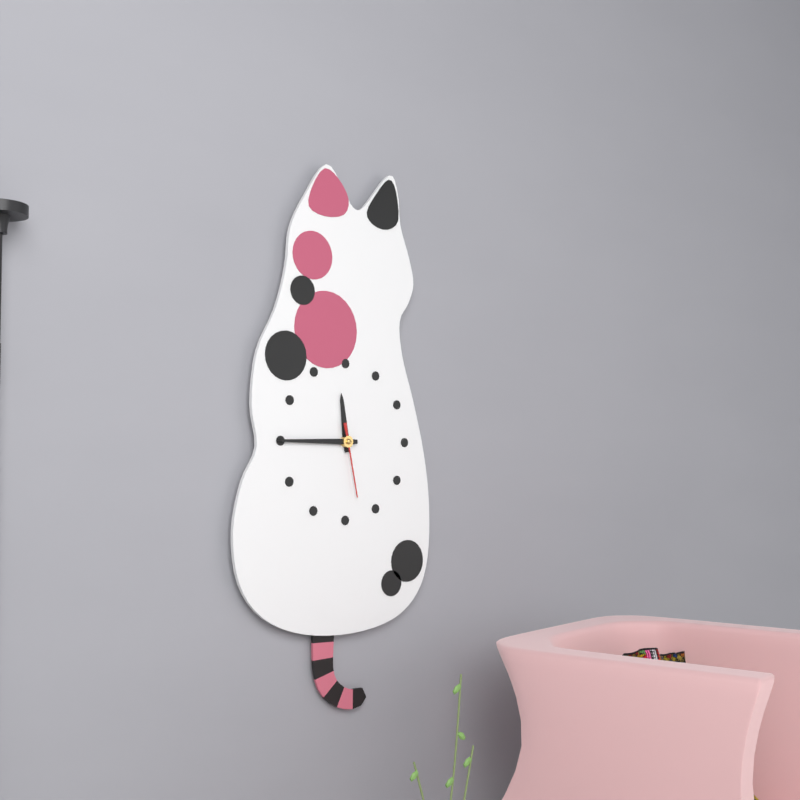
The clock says 11.45.28
